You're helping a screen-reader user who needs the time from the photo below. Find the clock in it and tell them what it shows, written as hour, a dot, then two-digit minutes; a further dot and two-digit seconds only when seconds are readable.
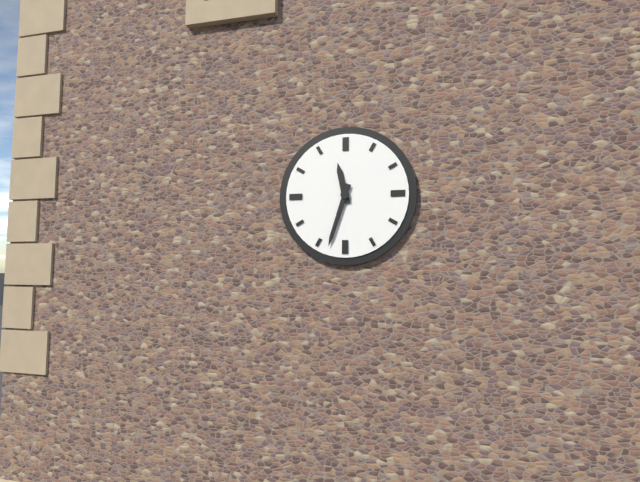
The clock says 11.33
